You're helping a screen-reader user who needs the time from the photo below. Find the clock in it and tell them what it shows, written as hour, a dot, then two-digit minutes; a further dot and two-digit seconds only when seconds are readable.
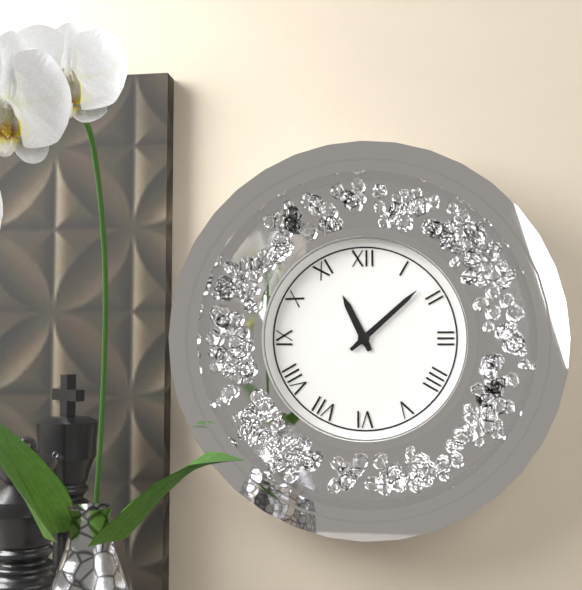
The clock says 11.08
